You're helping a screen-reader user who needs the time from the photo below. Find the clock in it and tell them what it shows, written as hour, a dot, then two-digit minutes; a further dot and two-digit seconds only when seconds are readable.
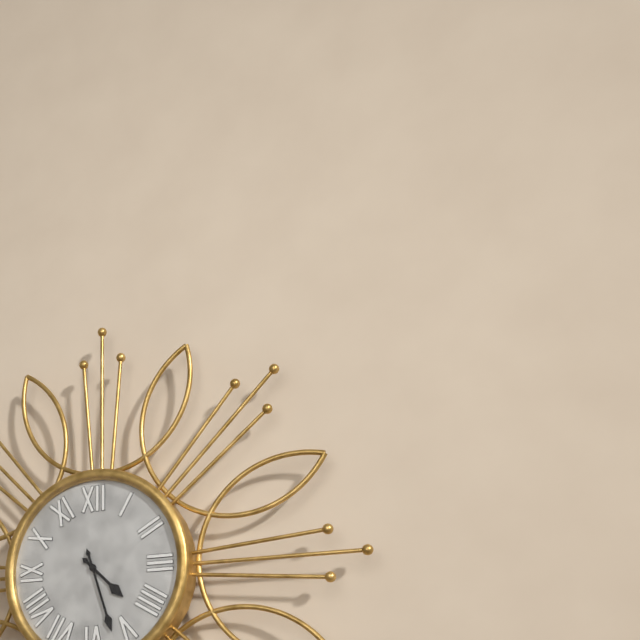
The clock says 4.27
